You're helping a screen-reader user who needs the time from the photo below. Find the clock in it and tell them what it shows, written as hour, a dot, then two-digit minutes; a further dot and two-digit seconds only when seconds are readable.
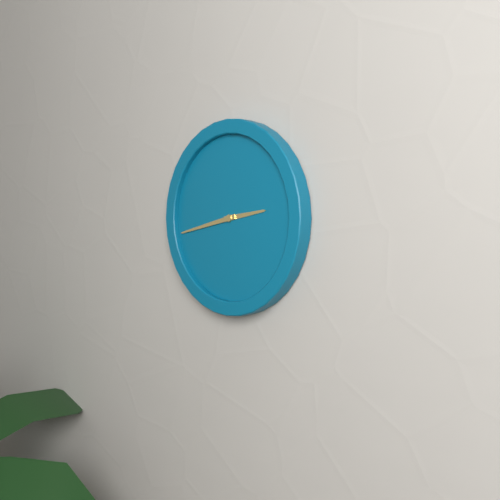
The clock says 2.43
